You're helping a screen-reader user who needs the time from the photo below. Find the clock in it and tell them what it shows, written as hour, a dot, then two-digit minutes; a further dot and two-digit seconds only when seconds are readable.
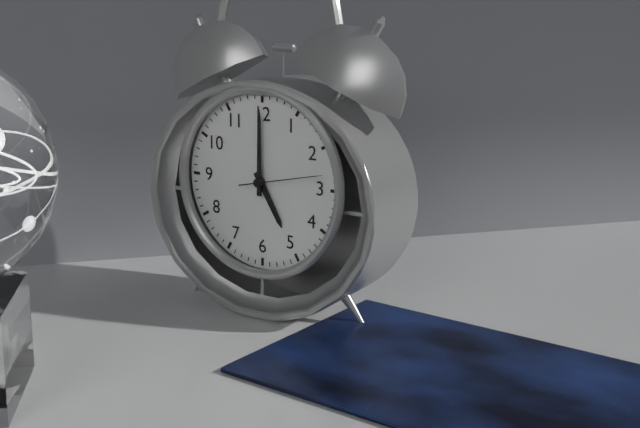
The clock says 5.00.13
